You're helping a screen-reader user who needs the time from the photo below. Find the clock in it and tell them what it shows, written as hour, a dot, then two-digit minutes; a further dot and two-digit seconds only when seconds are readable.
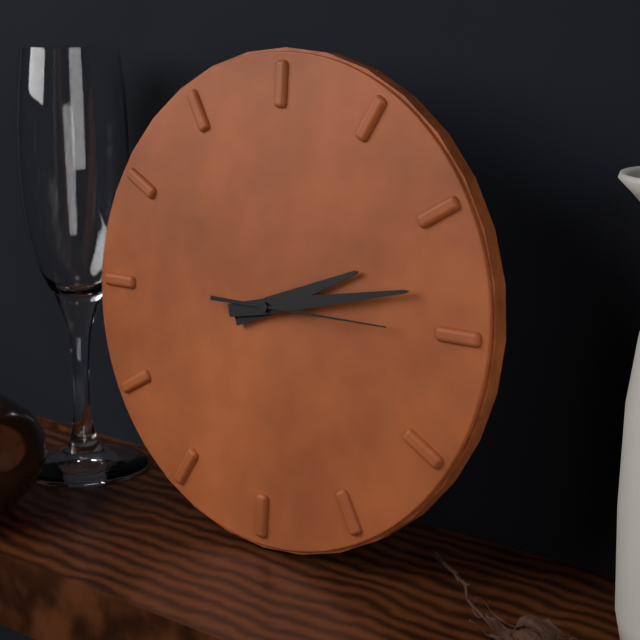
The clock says 2.13.15
